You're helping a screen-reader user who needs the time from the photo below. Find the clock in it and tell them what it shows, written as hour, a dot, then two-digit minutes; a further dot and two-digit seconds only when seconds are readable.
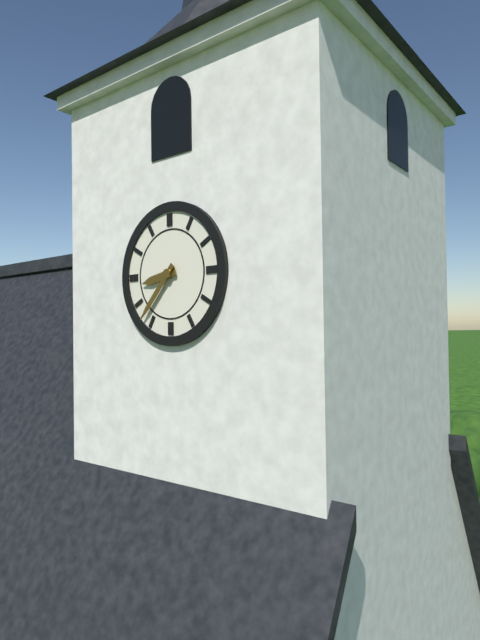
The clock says 8.37
